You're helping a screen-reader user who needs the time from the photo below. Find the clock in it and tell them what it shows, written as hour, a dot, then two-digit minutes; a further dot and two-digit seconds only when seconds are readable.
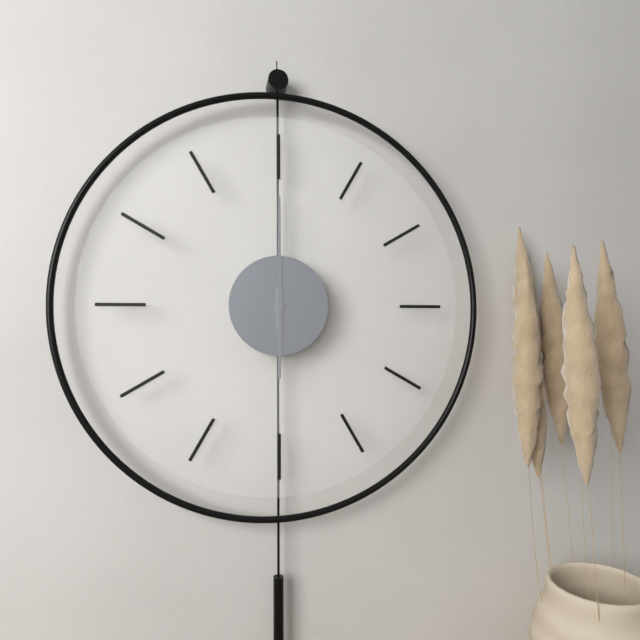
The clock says 6.00
